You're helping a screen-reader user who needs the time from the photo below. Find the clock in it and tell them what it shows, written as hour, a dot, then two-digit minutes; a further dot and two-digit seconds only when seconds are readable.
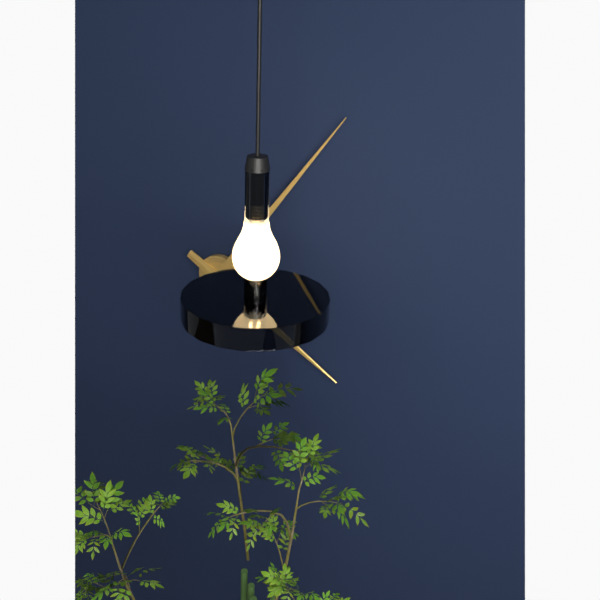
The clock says 4.06
